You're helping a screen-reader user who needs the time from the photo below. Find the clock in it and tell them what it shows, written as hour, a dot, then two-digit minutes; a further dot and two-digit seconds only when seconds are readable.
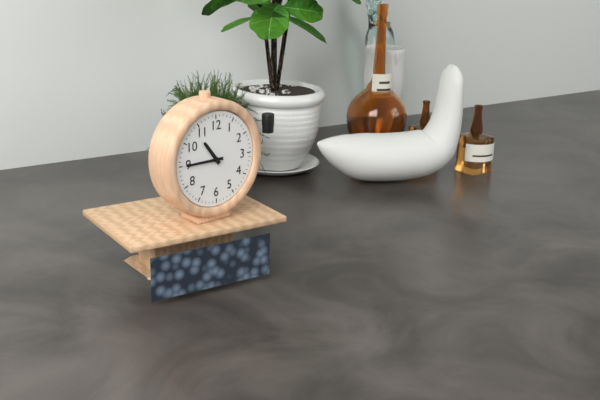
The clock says 10.45
